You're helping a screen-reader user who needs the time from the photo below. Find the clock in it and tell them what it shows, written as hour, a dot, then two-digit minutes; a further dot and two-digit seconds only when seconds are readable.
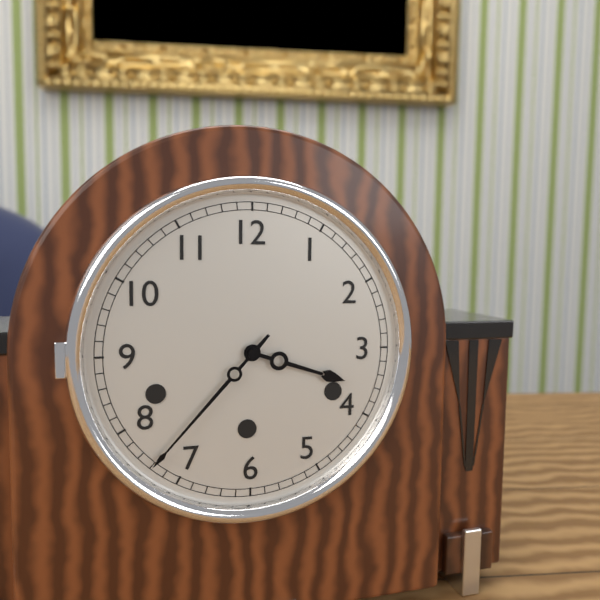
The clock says 3.37
